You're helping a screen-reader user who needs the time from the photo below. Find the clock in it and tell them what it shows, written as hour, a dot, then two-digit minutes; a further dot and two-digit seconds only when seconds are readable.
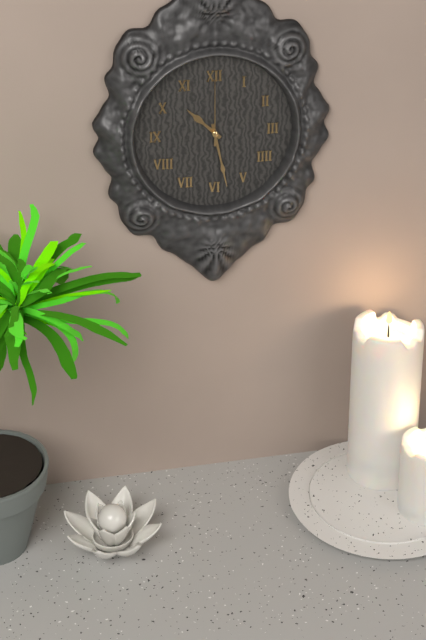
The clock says 10.28.00
